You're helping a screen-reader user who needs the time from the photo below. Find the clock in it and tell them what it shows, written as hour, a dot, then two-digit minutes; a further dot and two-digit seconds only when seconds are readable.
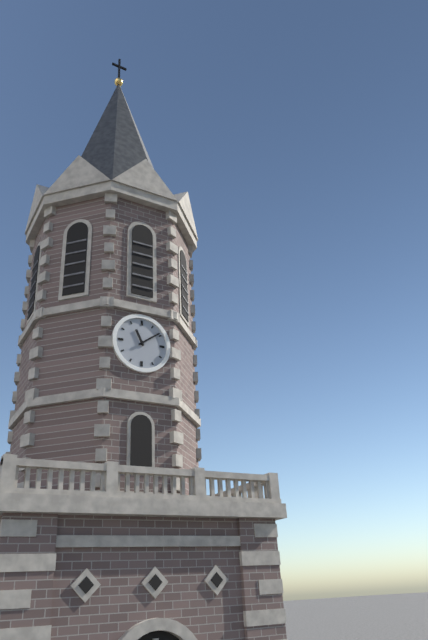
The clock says 11.09
